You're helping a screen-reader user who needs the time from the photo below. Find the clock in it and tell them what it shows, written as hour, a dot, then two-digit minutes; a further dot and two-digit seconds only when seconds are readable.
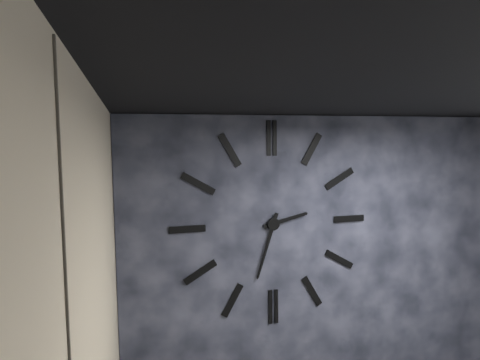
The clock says 2.33
